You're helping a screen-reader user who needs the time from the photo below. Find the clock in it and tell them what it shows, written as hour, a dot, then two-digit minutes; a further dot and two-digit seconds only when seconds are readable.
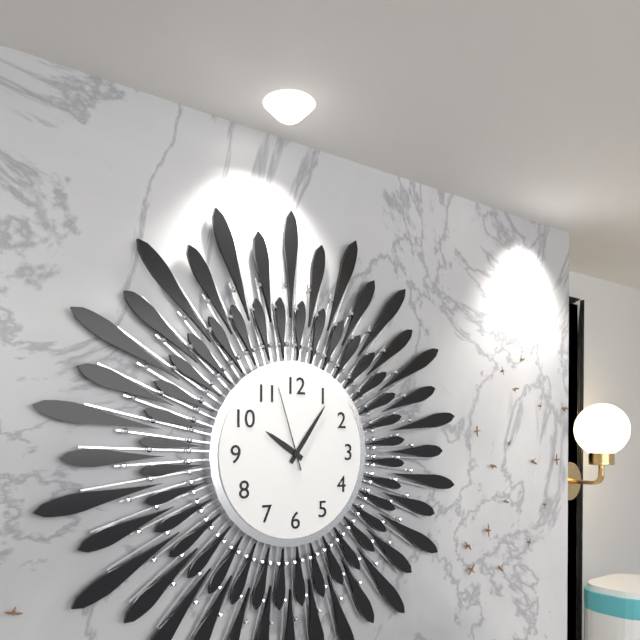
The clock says 10.06.57
